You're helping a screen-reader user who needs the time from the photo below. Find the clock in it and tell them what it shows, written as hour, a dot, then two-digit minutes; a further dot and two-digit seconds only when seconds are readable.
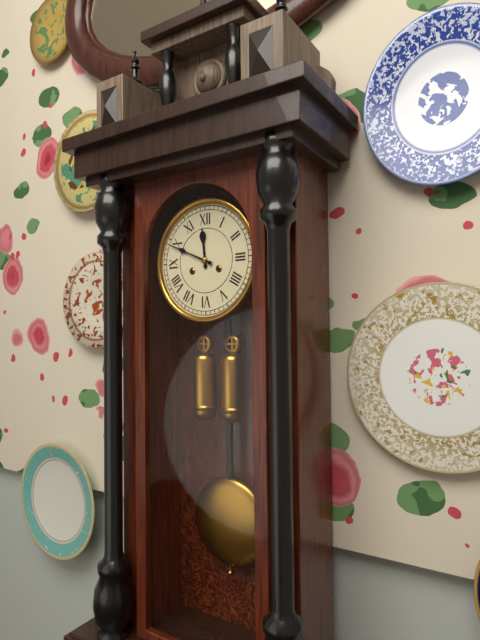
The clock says 11.49
